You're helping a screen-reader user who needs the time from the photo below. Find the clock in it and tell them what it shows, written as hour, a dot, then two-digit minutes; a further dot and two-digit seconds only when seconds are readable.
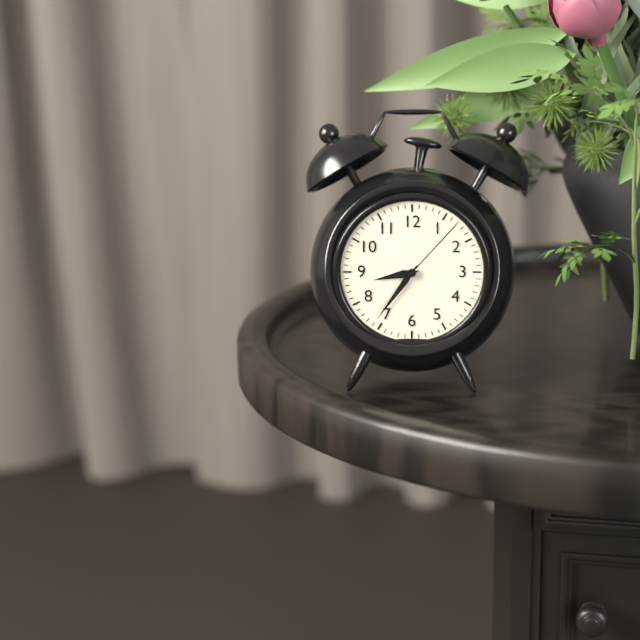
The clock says 8.36.07
